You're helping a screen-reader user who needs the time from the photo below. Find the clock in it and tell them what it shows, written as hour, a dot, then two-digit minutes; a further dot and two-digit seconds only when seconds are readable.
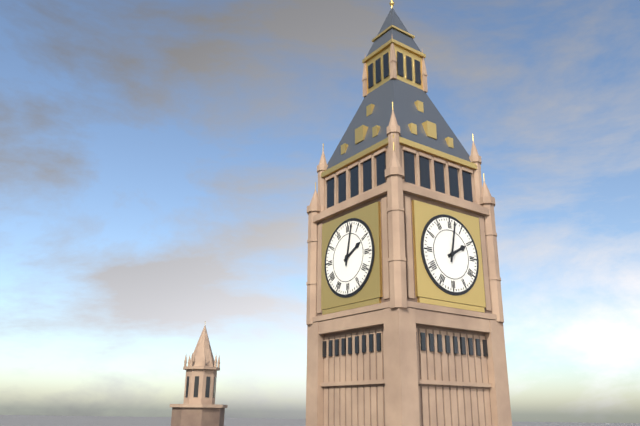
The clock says 2.02
